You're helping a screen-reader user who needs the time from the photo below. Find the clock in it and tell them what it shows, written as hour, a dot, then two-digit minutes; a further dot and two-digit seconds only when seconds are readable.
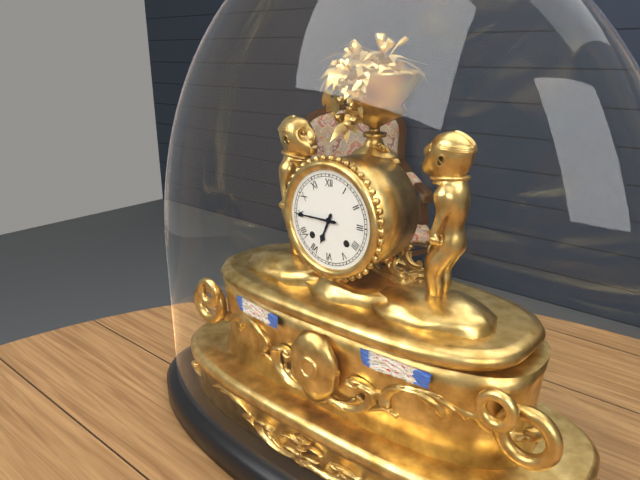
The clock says 6.45
